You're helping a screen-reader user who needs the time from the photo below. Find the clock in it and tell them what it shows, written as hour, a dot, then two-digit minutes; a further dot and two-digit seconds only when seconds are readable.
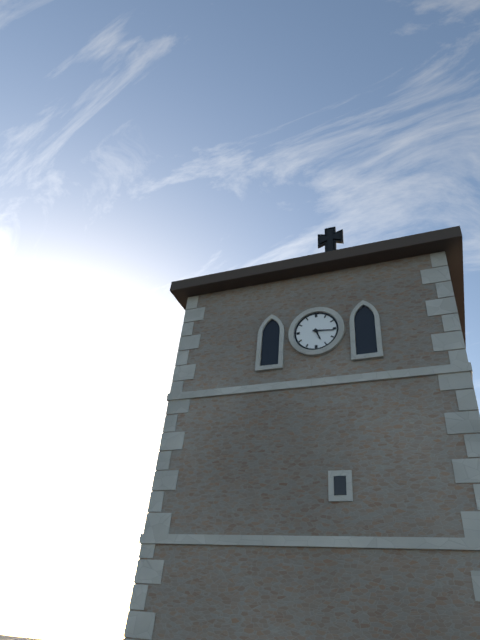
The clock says 5.16
